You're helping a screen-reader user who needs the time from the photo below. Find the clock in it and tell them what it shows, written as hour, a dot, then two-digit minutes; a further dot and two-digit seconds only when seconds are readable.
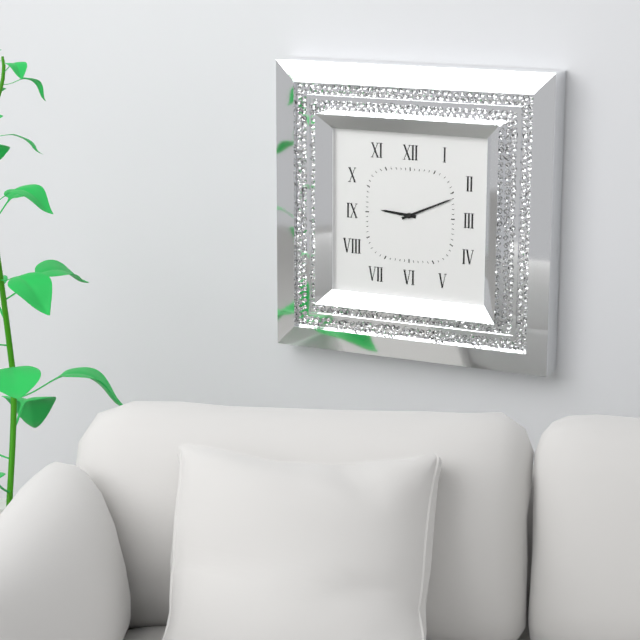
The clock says 9.11
